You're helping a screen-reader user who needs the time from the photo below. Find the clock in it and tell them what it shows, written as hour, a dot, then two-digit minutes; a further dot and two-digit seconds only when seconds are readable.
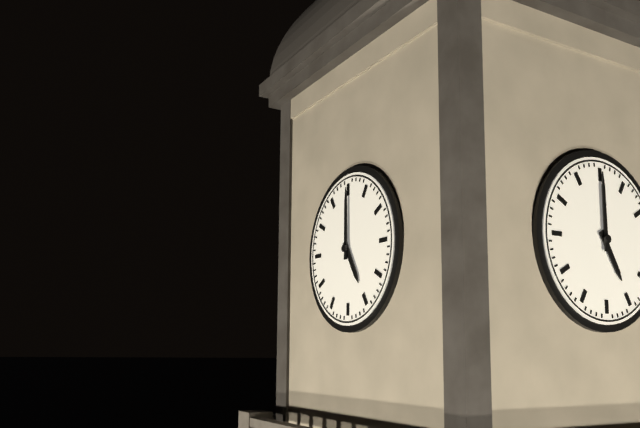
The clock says 5.00
